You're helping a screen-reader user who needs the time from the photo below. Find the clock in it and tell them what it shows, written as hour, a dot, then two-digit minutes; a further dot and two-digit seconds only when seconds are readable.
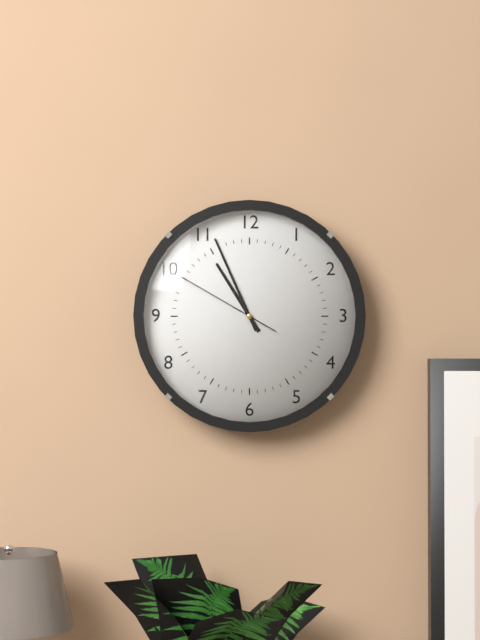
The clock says 10.56.50
